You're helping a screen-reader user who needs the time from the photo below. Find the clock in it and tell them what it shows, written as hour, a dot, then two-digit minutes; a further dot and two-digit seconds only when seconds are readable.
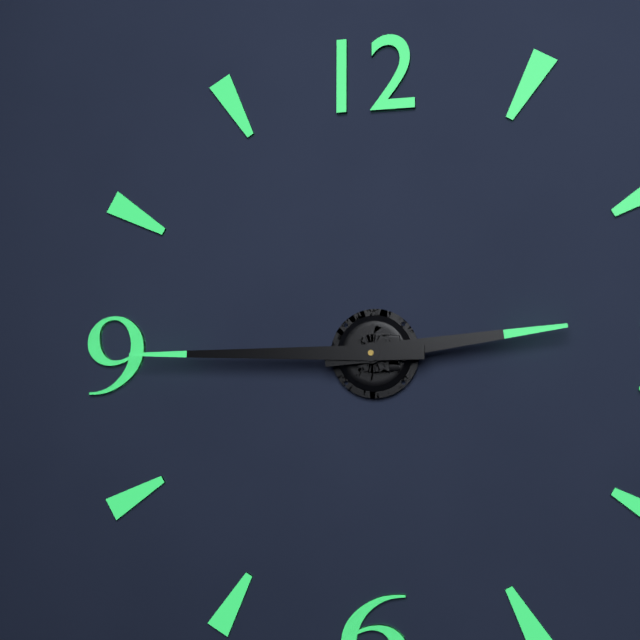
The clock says 2.45
